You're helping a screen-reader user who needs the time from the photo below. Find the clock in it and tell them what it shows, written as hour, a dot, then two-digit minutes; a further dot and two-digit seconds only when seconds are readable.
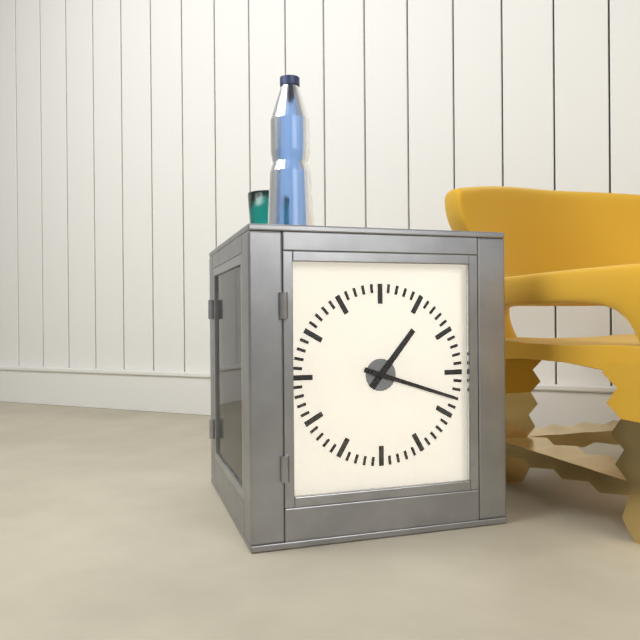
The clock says 1.18
